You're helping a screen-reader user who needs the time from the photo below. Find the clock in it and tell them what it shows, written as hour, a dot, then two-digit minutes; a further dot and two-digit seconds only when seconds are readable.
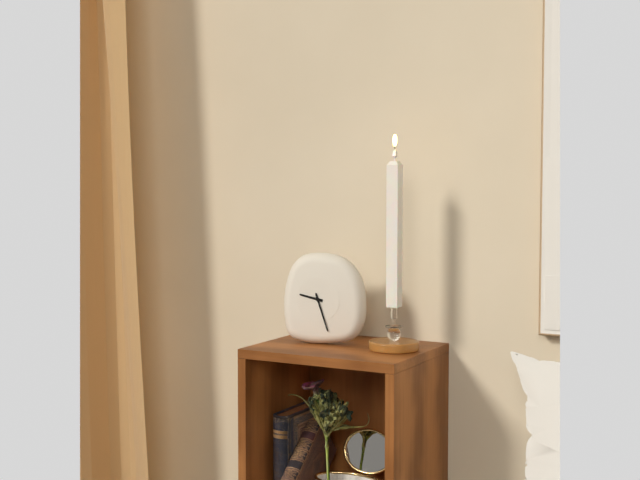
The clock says 9.27
